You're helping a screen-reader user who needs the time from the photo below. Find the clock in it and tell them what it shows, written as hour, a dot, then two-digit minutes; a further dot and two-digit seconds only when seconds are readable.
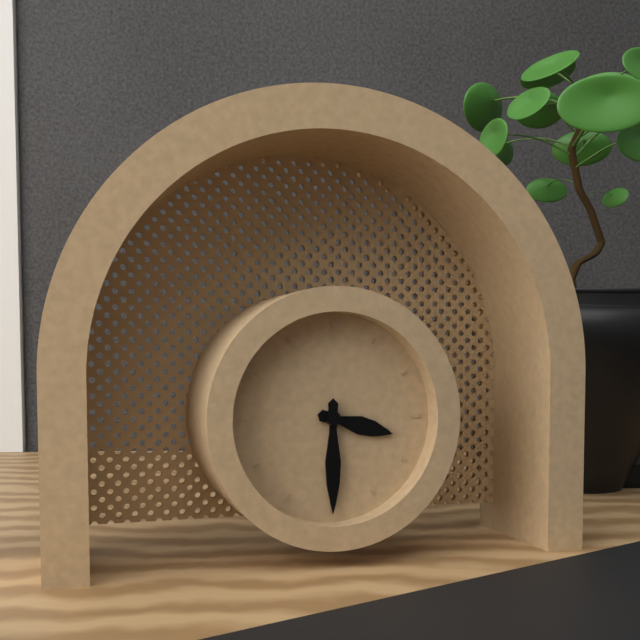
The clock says 3.30
